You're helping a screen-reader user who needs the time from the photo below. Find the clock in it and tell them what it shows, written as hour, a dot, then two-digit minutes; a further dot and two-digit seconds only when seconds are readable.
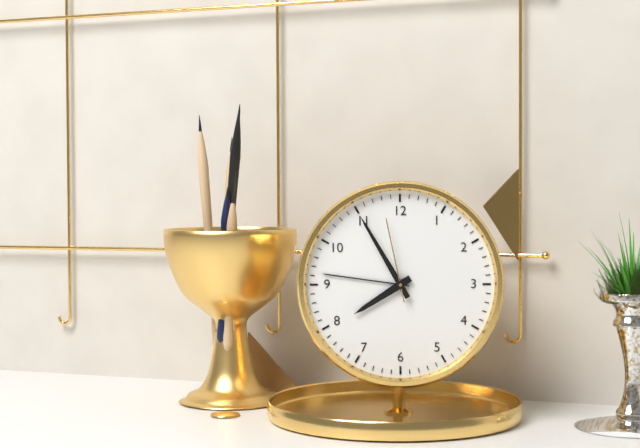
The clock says 7.55.58
